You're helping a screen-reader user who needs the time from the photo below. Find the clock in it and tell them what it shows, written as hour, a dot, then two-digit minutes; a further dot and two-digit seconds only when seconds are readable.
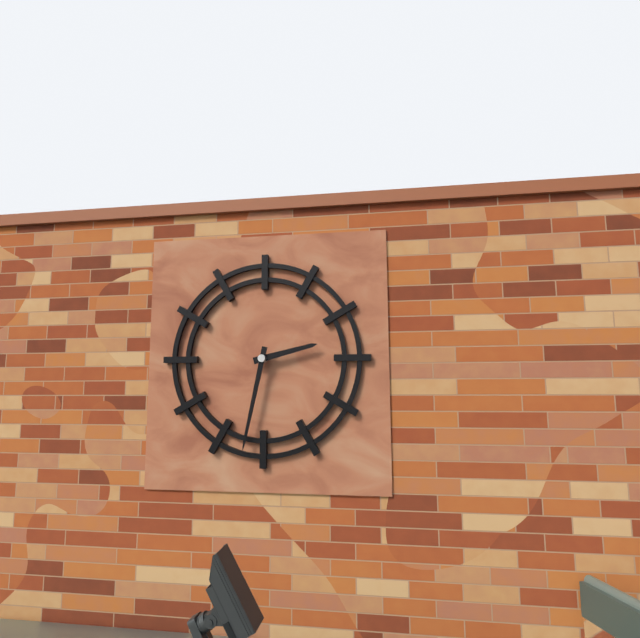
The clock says 2.32
